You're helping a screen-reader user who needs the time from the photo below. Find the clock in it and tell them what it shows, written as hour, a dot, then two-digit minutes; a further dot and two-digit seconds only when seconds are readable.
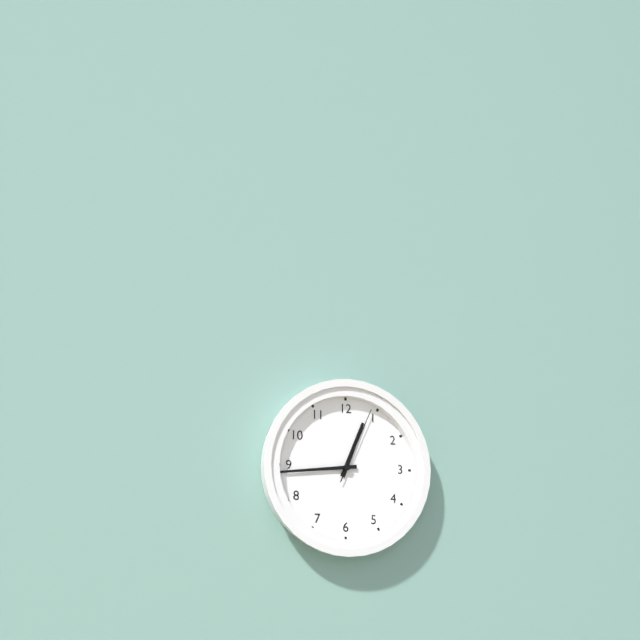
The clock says 12.44.04
